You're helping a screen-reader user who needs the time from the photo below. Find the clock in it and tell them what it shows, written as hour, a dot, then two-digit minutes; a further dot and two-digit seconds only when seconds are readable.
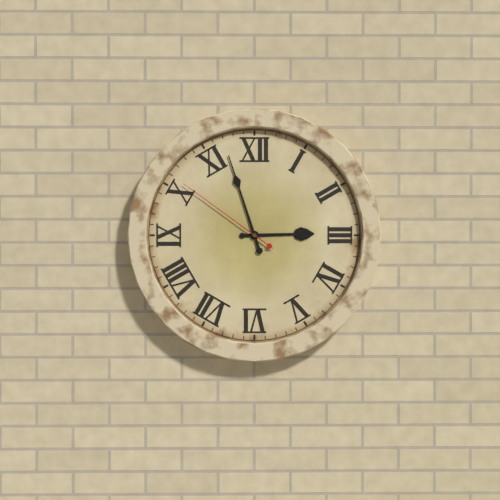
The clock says 2.57.51
